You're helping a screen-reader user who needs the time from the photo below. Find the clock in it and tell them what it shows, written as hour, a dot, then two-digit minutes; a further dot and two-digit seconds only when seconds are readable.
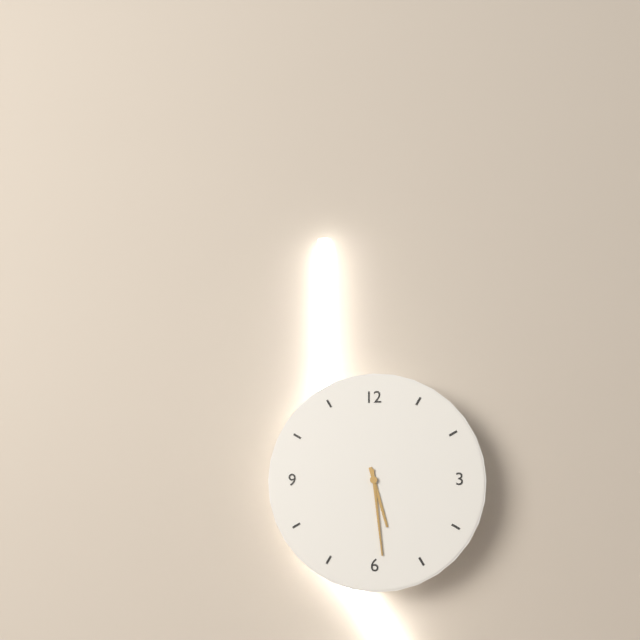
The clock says 5.29
